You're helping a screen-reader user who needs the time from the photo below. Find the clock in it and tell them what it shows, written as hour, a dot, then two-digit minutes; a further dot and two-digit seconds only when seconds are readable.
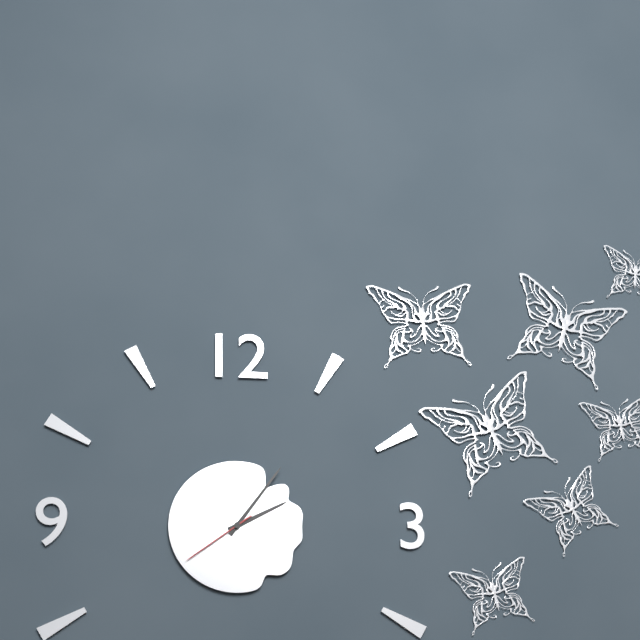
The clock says 2.06.39
